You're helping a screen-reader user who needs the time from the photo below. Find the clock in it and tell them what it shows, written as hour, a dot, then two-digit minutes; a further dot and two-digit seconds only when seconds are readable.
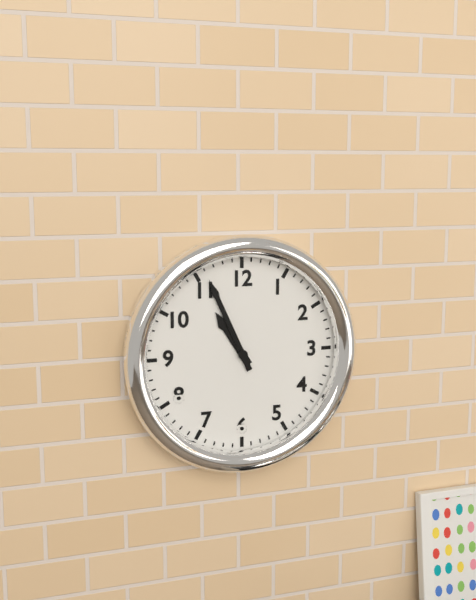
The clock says 10.56
